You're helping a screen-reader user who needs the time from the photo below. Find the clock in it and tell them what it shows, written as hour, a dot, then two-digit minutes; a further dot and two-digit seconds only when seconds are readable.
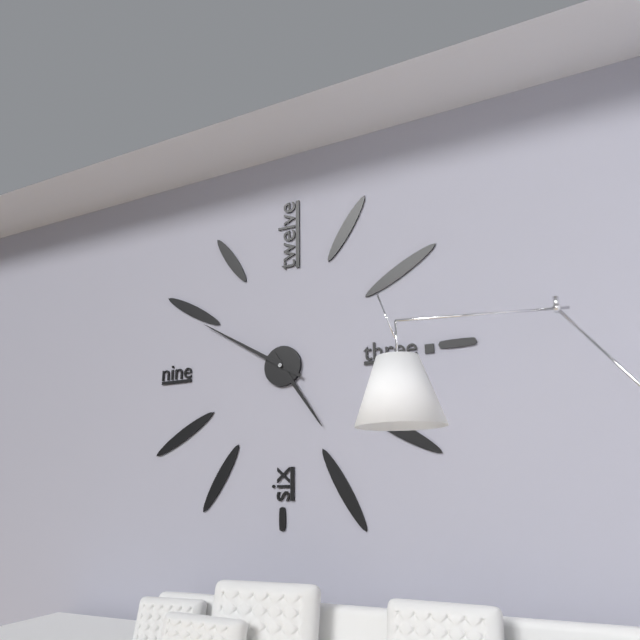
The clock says 4.50
